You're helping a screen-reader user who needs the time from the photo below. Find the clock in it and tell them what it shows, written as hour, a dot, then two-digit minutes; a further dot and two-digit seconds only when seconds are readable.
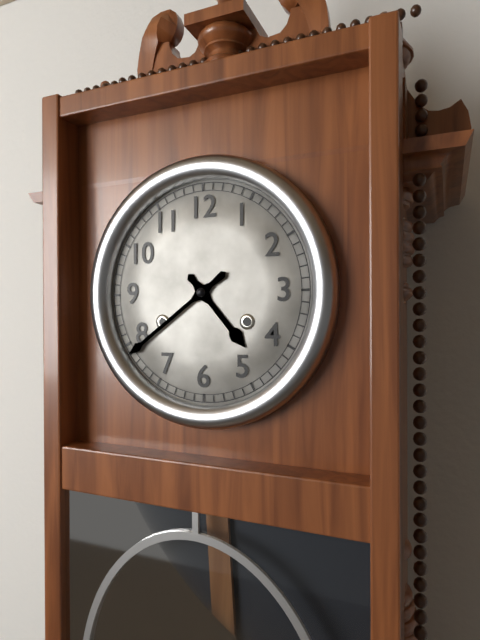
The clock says 4.39
